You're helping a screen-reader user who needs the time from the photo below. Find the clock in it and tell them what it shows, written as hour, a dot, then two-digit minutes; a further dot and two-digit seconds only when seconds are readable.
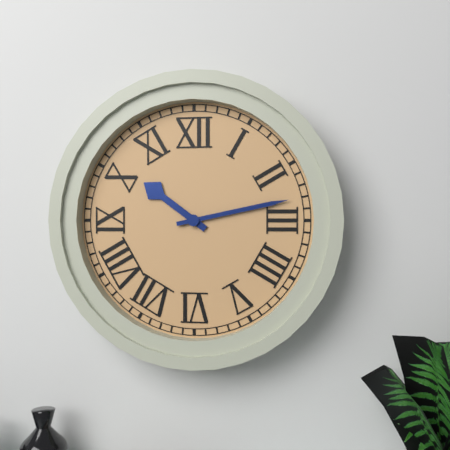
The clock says 10.13
